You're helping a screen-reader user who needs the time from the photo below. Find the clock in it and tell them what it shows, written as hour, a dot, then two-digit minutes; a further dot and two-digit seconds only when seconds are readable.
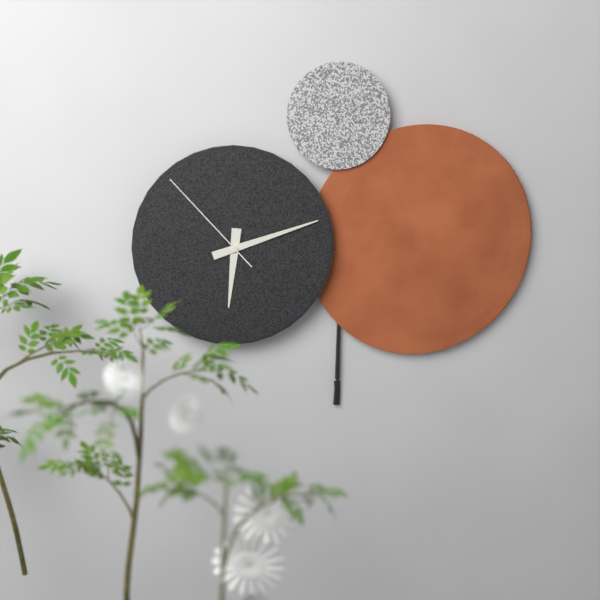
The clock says 6.12.53
